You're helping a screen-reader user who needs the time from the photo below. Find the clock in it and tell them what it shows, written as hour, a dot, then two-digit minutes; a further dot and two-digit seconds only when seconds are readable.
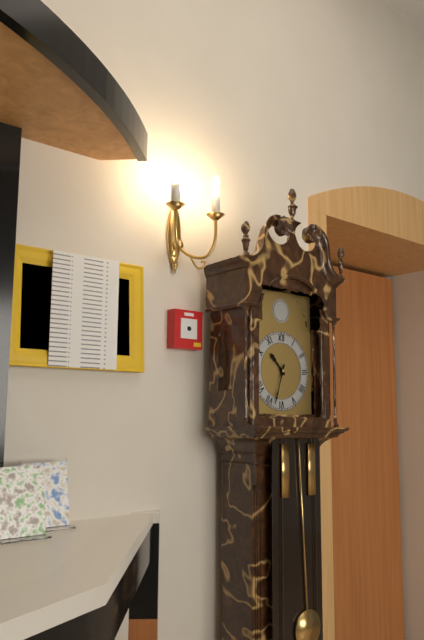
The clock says 10.33
